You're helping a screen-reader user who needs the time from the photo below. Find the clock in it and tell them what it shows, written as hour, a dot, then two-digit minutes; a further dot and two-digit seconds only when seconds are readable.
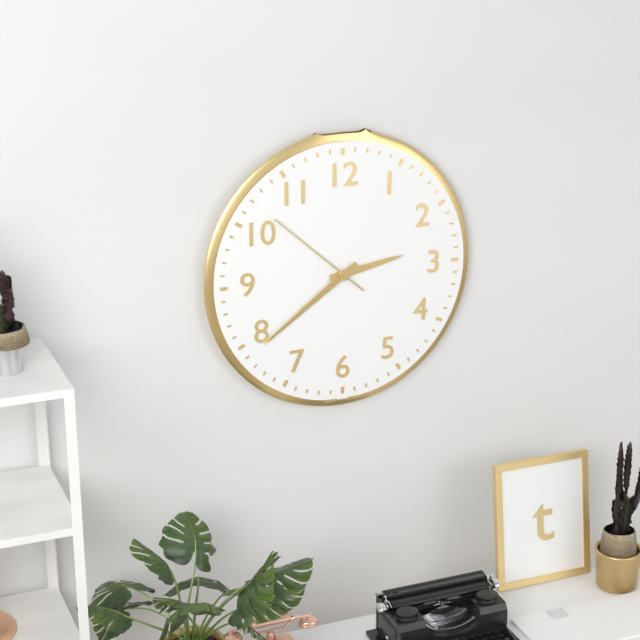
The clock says 2.39.52
